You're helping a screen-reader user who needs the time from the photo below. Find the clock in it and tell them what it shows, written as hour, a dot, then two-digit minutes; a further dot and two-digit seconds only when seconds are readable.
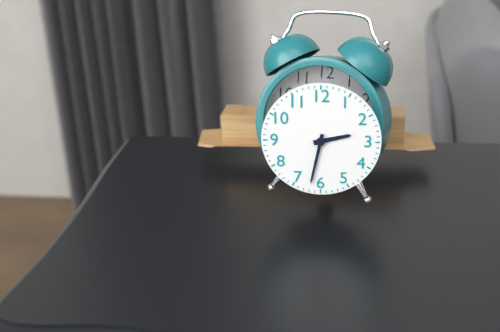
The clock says 2.32
